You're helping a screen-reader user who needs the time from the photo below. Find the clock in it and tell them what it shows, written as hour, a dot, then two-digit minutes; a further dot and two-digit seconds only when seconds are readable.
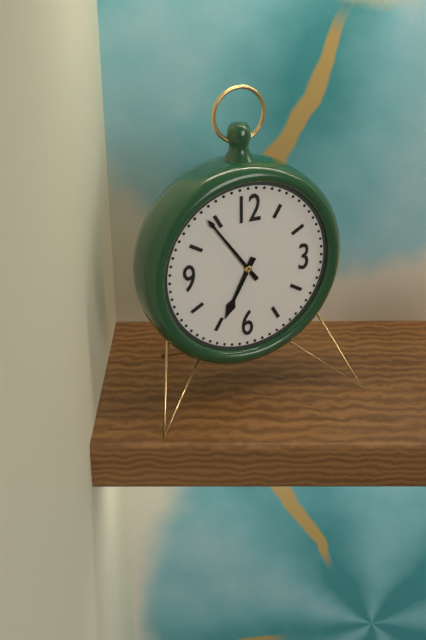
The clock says 6.54
